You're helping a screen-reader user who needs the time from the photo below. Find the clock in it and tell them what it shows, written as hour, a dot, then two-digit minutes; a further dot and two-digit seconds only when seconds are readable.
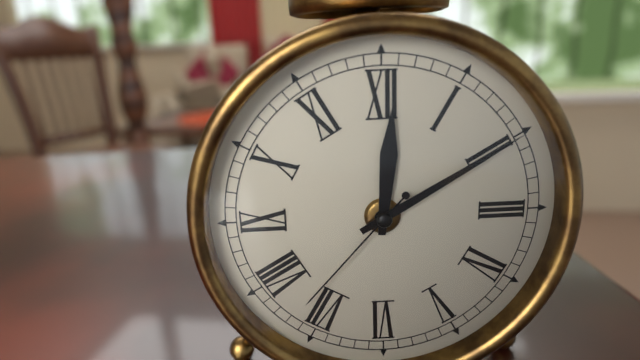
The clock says 12.10.37
